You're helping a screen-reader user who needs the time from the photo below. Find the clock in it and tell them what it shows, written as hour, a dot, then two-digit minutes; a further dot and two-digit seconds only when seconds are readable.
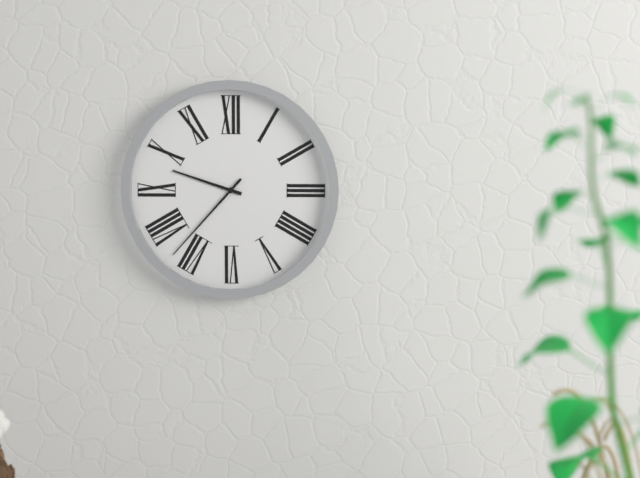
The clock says 9.37
